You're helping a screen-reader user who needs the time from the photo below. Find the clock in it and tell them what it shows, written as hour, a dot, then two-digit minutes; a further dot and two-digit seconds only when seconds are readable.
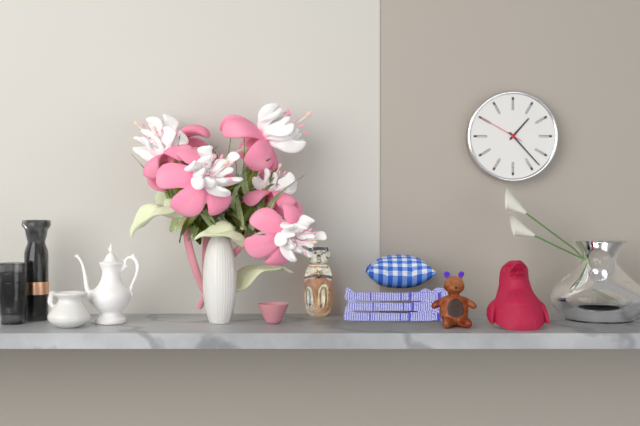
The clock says 1.23
